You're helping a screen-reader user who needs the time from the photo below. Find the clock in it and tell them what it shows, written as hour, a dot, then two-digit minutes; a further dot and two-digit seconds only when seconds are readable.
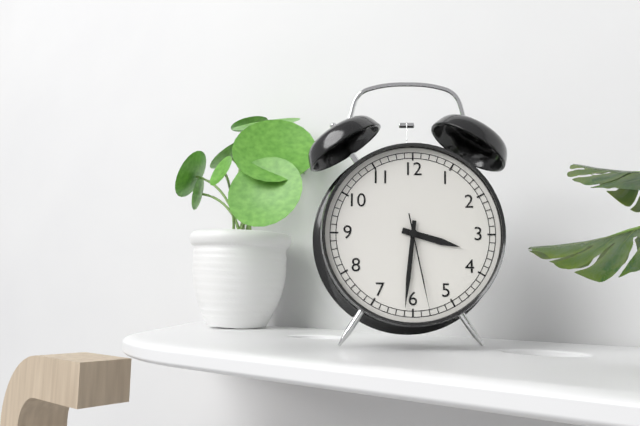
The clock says 3.31.28
